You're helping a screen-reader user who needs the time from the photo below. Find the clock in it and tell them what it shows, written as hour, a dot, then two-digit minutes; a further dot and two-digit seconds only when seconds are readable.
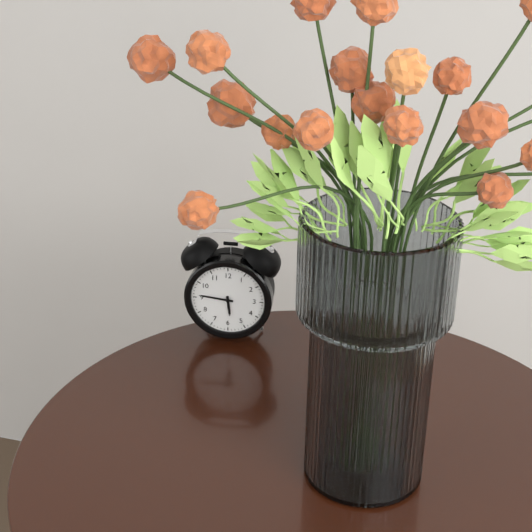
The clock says 5.46
